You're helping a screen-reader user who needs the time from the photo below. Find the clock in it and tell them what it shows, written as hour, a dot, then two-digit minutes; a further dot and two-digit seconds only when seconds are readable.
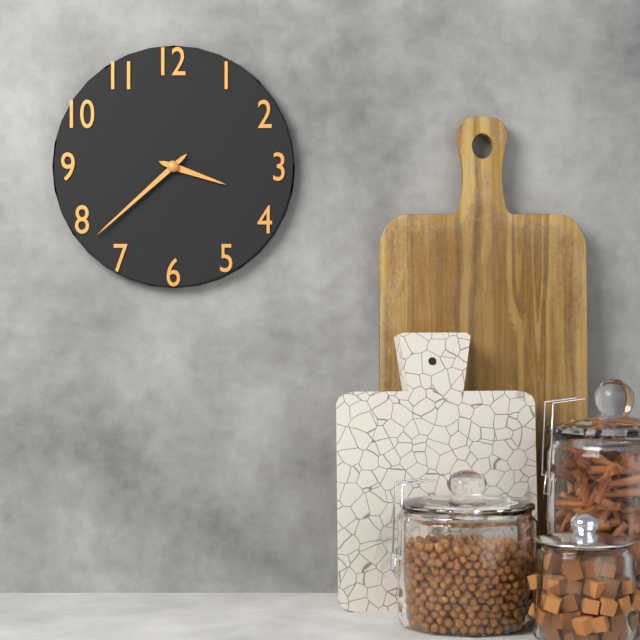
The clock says 3.38
